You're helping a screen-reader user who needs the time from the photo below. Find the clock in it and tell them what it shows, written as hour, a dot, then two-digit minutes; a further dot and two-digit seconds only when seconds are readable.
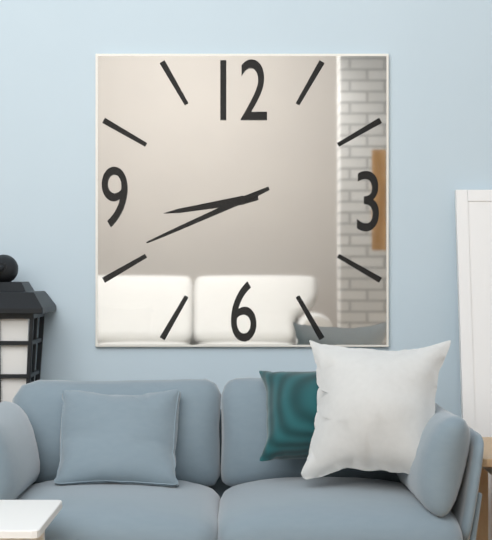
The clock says 8.41
